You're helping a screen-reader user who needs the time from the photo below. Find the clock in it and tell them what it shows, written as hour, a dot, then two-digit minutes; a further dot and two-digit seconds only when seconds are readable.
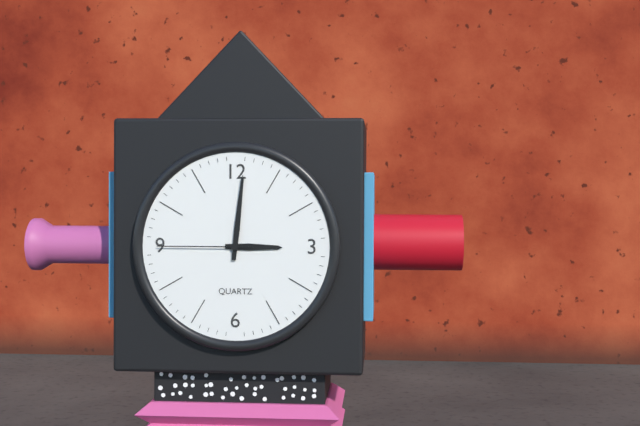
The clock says 3.01.45
